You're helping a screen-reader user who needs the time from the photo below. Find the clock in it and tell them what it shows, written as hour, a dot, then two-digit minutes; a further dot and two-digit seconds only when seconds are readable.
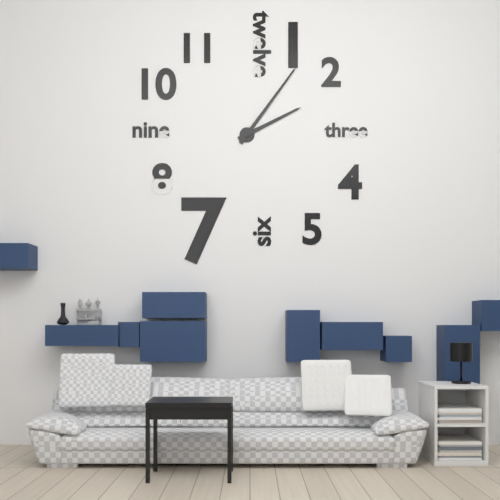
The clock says 2.06
